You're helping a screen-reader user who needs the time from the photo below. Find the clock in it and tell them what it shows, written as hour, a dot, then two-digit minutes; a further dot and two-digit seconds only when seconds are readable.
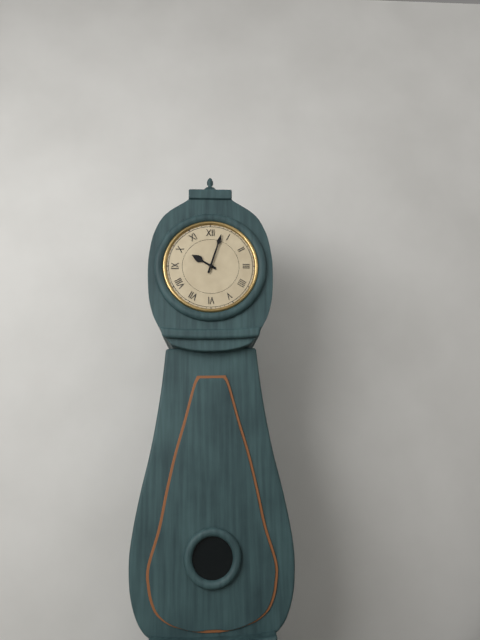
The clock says 10.03
